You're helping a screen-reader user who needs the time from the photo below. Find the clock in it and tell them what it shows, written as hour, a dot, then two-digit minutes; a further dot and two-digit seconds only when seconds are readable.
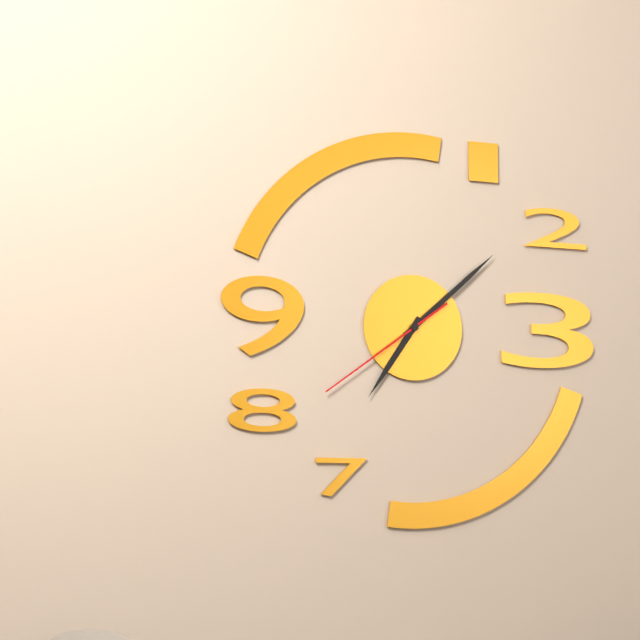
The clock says 7.08.39
